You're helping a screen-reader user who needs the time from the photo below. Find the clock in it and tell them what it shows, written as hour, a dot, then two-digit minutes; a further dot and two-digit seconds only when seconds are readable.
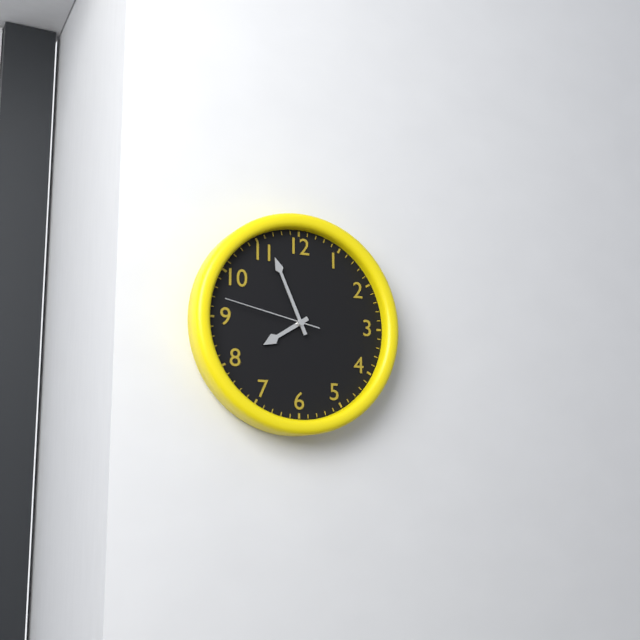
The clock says 7.56.47
